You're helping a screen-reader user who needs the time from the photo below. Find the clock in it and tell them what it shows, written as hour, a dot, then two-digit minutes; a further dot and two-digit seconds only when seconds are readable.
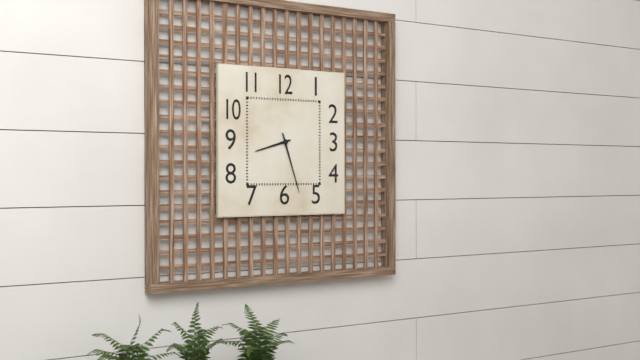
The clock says 8.27
